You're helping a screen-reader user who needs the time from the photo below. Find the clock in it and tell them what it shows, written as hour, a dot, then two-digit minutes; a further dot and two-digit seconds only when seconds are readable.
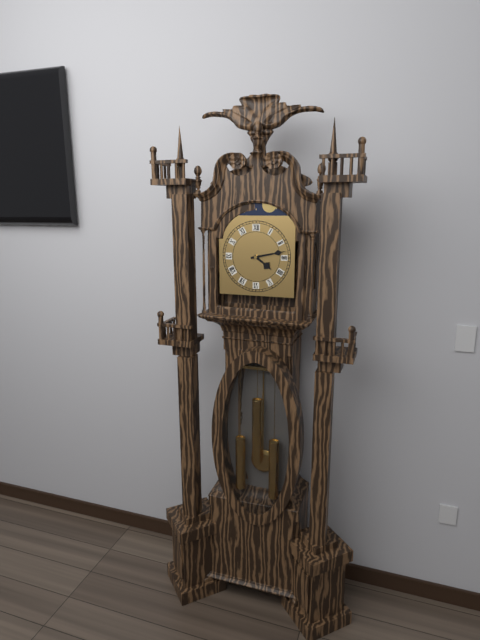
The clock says 4.13
